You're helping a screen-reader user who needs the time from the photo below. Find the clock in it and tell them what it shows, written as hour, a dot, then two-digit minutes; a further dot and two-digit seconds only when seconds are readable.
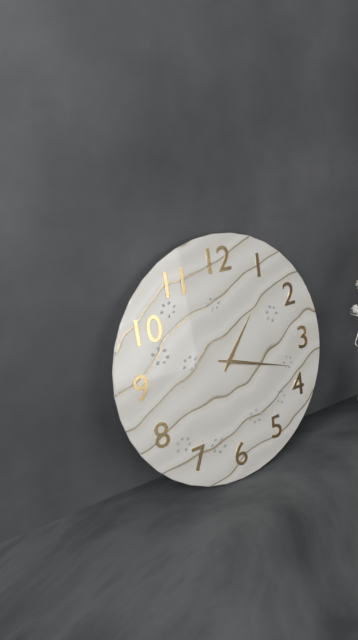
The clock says 1.18
